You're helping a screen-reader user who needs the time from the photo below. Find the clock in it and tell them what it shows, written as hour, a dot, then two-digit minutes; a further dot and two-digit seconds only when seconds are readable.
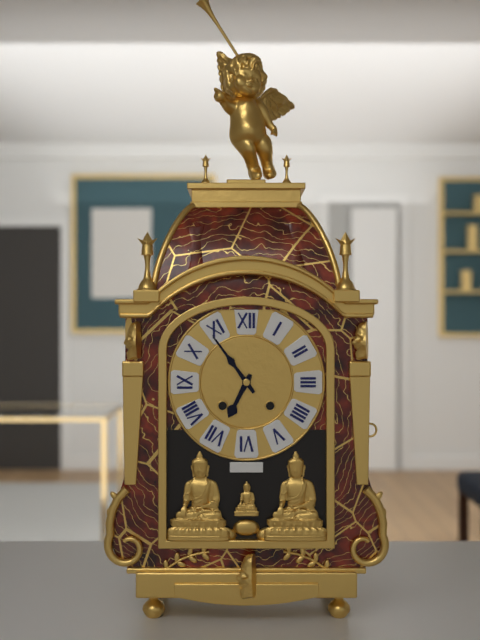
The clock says 6.54
